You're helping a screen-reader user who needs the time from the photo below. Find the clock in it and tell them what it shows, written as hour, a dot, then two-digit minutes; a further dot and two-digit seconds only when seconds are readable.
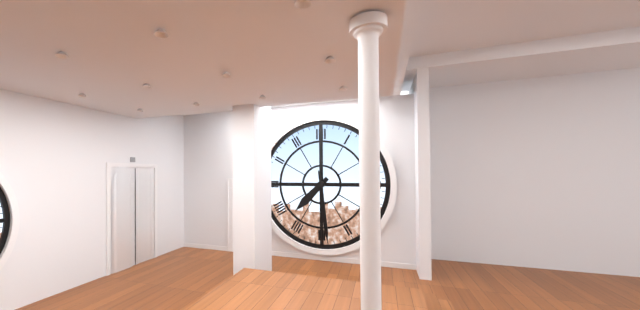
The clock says 7.29
